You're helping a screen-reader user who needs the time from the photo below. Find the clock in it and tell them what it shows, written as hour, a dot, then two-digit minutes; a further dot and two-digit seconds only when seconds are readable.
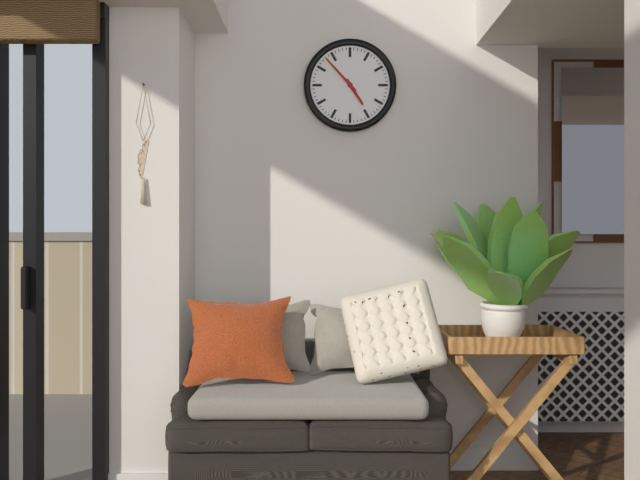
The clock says 4.53
